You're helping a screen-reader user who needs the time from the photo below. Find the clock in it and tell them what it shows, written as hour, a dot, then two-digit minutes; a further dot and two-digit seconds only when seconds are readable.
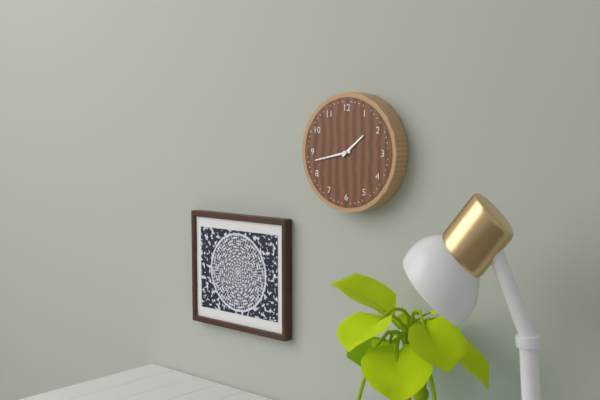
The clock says 1.43
